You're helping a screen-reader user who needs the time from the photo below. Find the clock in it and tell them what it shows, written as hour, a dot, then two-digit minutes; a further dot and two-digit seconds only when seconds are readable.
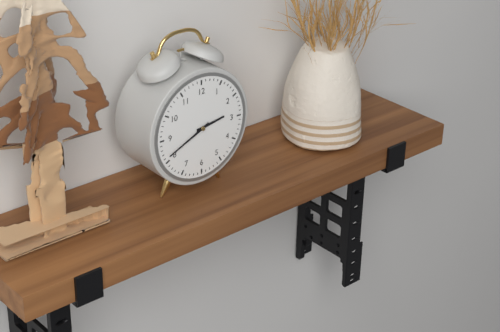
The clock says 2.41
